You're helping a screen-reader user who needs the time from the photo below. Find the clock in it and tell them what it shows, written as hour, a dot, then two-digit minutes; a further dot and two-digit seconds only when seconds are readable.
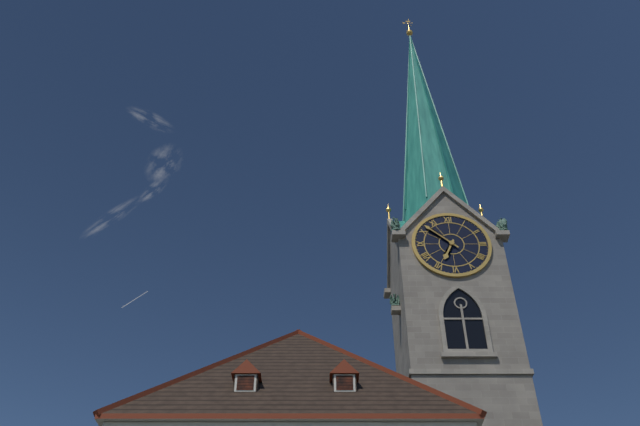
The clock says 6.52
